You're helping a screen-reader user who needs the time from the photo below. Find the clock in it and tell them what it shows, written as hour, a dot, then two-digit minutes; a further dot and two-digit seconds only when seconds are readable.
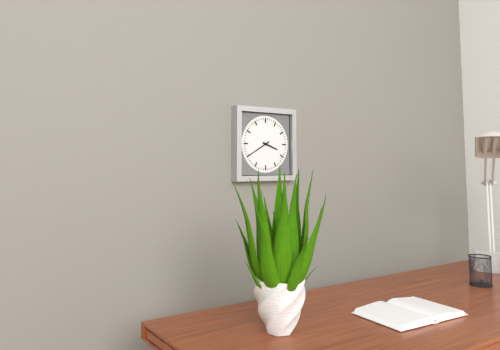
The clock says 3.40
